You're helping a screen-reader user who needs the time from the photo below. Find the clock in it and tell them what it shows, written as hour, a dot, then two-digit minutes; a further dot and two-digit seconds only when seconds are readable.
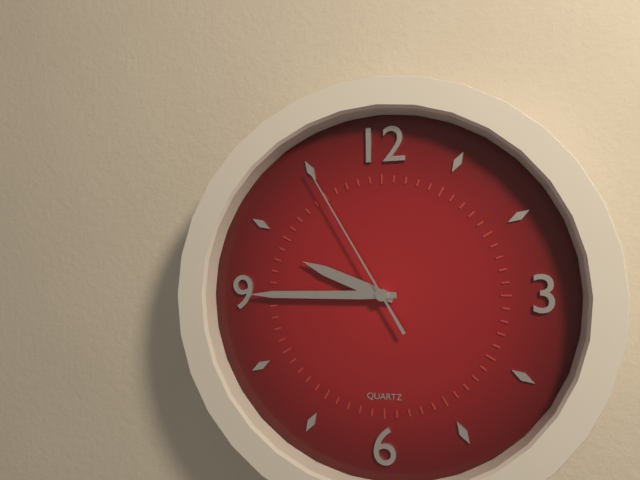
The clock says 9.45.55
